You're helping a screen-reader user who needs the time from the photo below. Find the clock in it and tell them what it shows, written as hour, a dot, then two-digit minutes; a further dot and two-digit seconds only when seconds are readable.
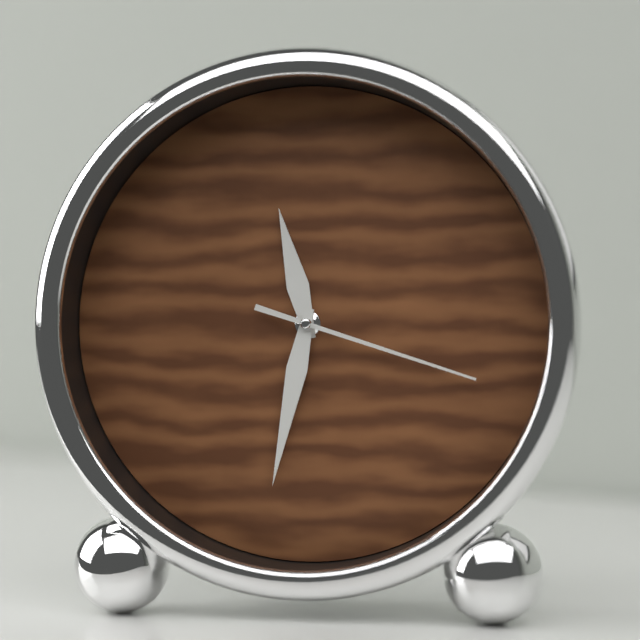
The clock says 11.32.18
